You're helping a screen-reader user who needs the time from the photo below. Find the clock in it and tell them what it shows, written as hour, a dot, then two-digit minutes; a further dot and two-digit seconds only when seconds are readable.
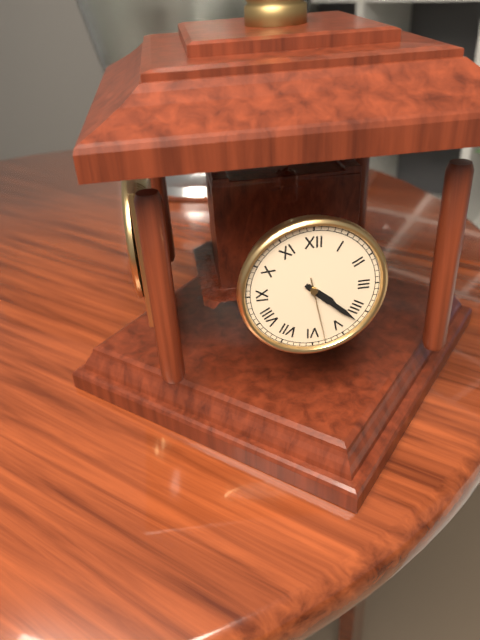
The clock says 4.22.28
